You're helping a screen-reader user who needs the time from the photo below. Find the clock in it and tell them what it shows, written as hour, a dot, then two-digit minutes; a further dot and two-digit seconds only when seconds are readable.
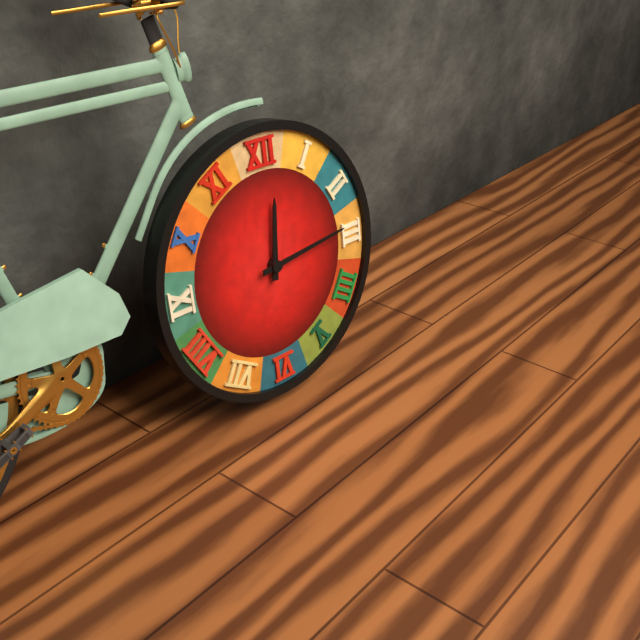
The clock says 12.14
